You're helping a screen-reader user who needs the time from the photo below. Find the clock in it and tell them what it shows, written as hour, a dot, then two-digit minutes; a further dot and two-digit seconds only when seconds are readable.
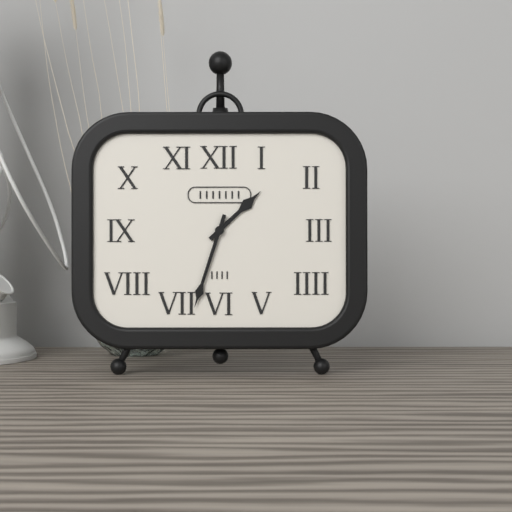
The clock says 1.33
